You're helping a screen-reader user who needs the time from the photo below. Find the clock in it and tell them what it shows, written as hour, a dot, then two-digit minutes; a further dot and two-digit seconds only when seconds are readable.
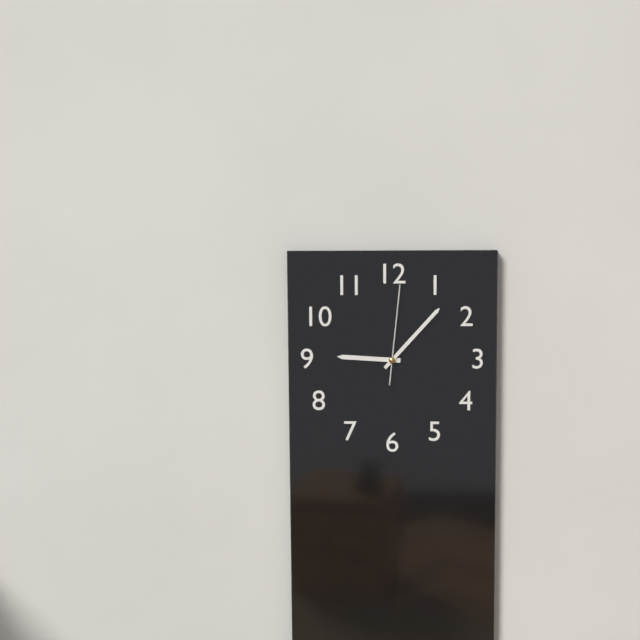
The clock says 9.07.01
